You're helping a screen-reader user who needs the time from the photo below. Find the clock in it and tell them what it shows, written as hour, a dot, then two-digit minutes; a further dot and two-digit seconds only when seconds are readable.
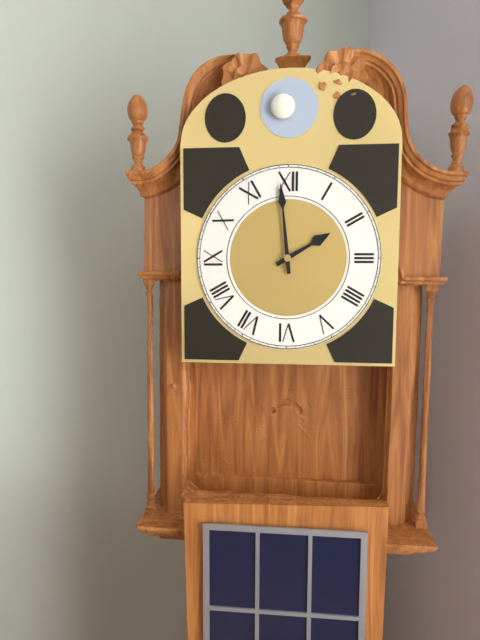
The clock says 1.59
